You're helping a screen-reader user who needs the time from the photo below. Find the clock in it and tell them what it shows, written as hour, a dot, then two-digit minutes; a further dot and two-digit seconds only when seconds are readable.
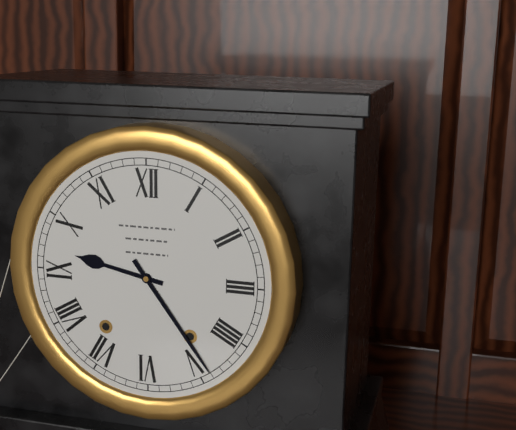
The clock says 9.24
